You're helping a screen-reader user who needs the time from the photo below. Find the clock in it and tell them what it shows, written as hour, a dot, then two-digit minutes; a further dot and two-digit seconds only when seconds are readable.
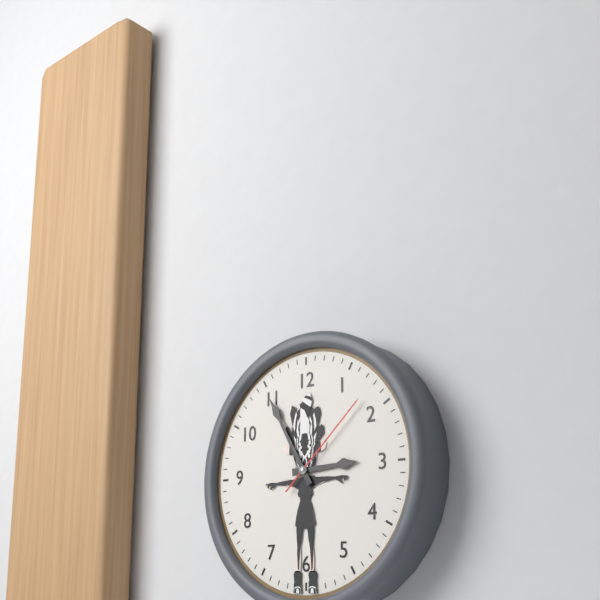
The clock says 2.55.08
